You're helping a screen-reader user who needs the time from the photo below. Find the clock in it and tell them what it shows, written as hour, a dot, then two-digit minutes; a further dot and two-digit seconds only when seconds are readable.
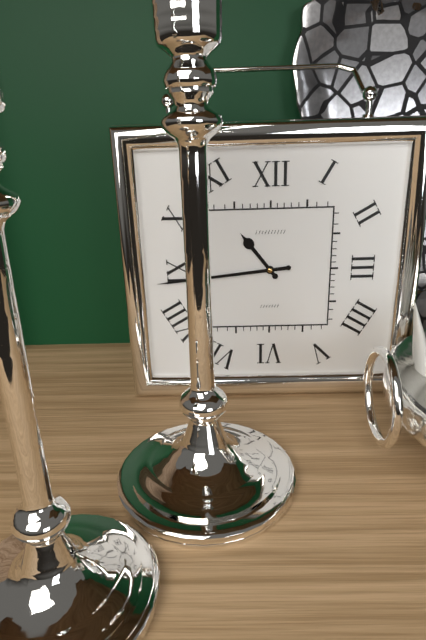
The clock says 10.44
